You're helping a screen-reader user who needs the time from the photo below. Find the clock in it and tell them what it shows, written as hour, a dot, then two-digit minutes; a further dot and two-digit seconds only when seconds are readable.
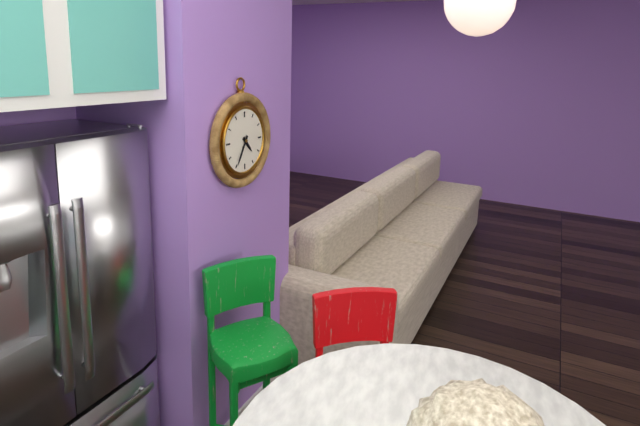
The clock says 4.35
